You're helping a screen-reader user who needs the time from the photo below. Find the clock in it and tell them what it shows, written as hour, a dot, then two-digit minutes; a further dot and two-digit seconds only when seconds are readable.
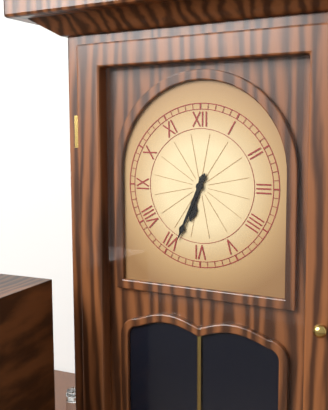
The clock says 6.34
